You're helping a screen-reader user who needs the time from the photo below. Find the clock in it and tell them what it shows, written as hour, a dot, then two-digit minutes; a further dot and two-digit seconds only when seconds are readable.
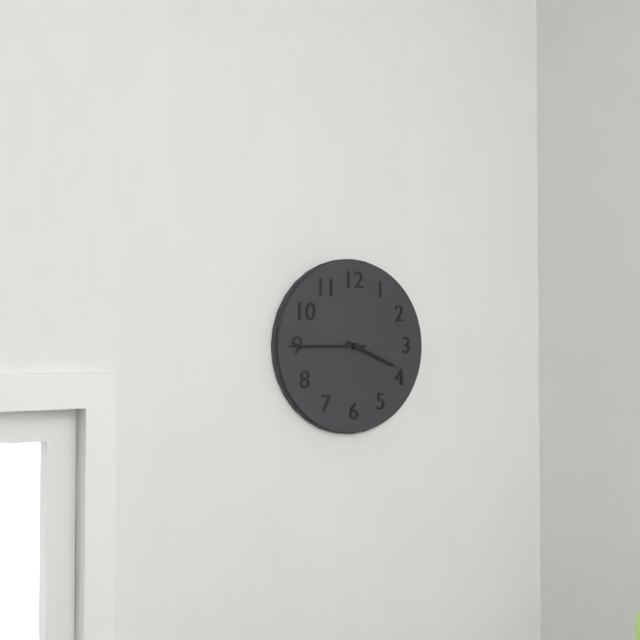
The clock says 3.45
